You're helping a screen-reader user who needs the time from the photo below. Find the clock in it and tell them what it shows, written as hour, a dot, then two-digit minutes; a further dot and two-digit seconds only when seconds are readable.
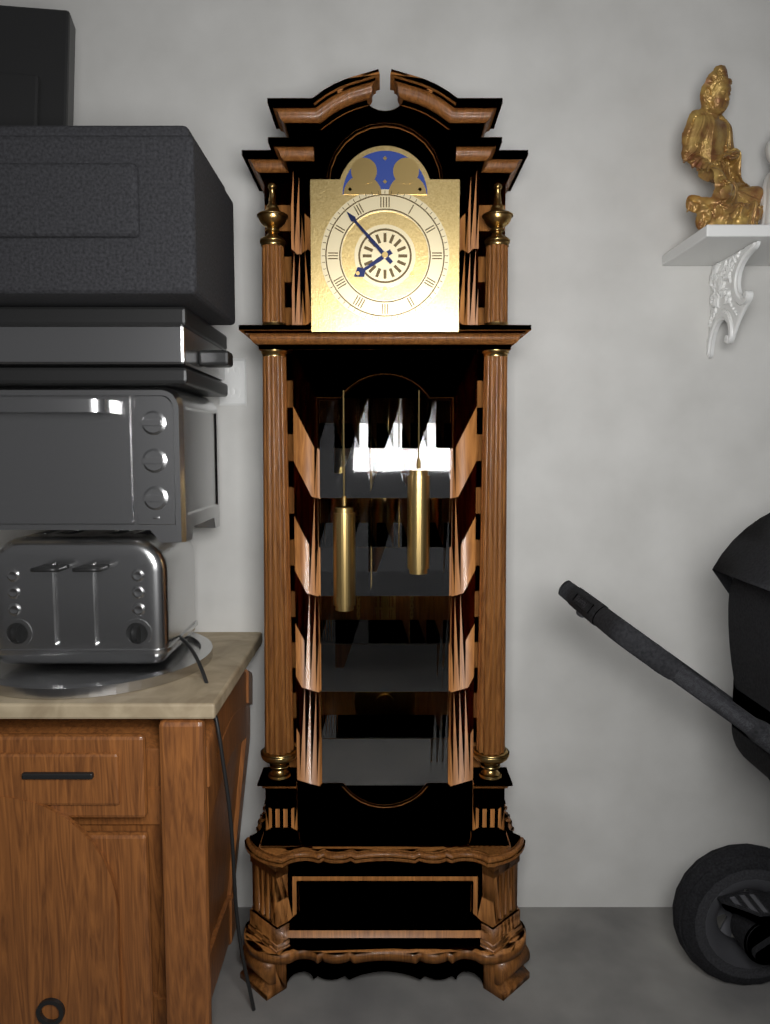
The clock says 7.53
